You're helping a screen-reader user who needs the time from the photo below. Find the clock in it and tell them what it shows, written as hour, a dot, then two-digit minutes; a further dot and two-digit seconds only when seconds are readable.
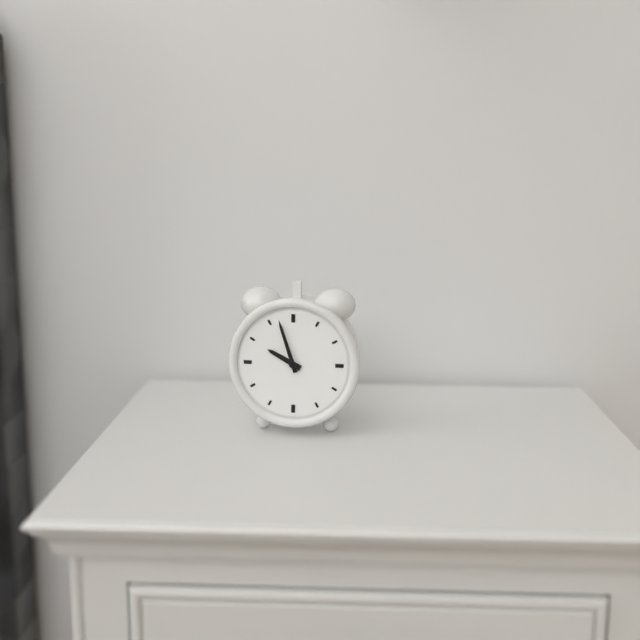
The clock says 9.57
